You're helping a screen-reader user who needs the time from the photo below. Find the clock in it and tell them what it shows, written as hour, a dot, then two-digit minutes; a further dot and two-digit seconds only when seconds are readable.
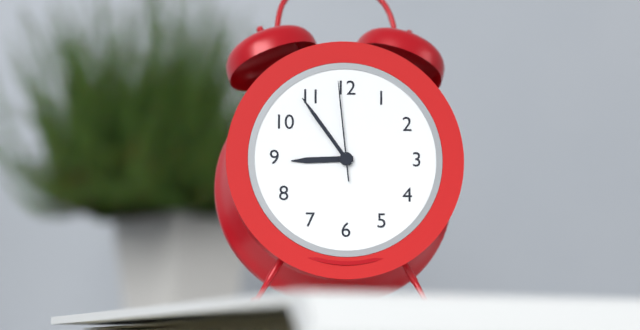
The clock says 8.54.59
